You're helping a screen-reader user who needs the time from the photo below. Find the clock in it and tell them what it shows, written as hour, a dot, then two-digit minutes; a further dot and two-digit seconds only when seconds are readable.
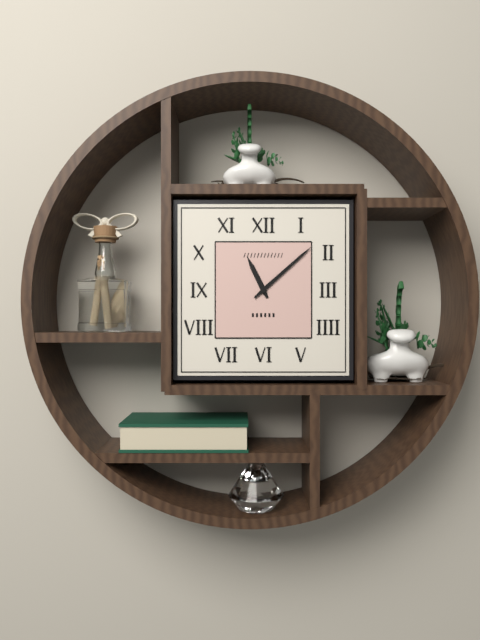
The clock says 11.08
